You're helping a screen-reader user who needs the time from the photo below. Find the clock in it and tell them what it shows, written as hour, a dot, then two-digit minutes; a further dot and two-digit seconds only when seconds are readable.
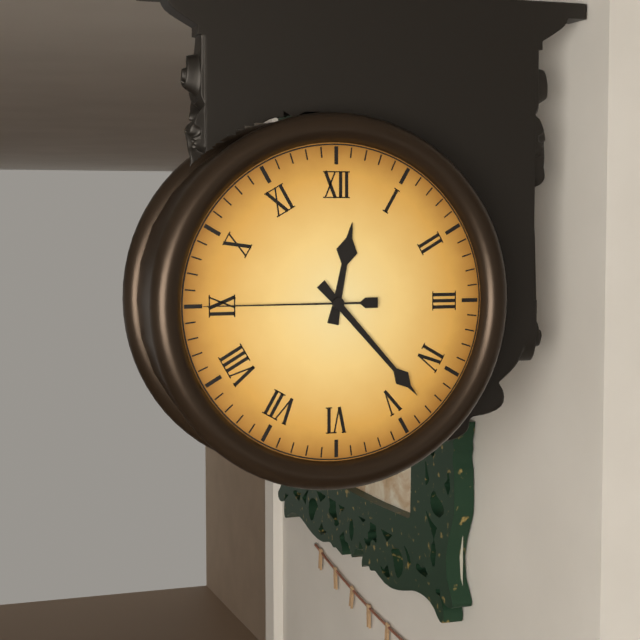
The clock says 12.23.45
